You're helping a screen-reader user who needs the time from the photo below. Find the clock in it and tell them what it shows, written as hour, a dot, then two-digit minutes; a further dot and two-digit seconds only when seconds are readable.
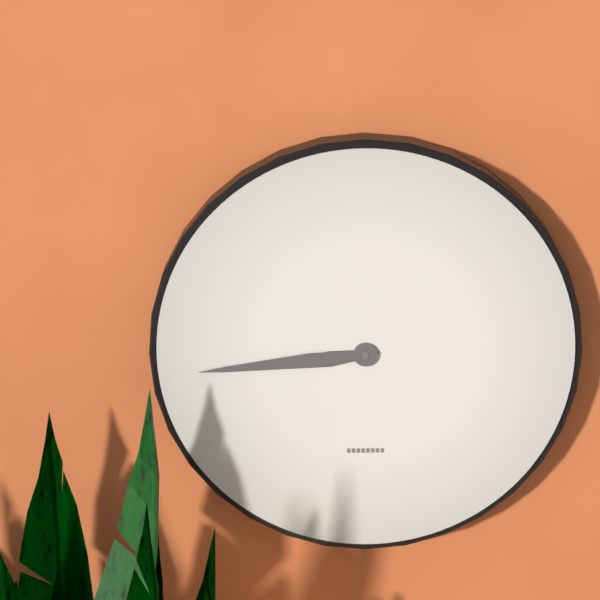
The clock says 8.44
